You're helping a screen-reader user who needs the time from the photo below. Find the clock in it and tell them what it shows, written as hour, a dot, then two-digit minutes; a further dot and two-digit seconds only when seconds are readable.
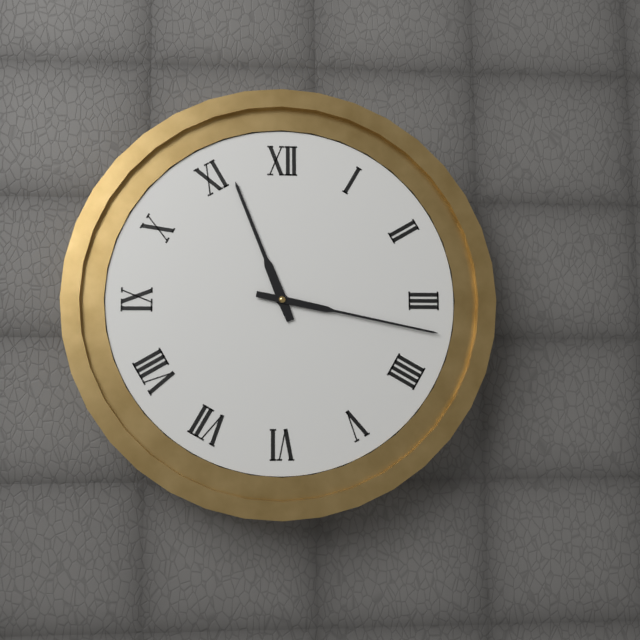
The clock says 11.17
